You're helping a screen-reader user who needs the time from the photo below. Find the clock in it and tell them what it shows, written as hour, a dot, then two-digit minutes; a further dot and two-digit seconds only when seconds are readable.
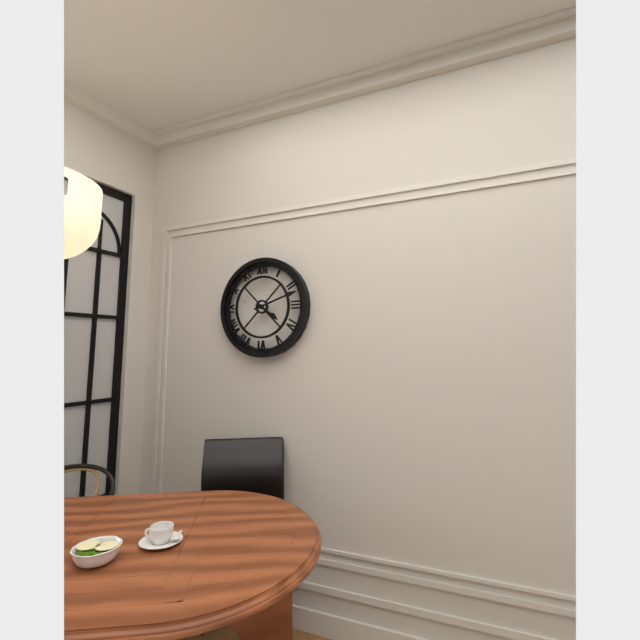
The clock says 4.12
